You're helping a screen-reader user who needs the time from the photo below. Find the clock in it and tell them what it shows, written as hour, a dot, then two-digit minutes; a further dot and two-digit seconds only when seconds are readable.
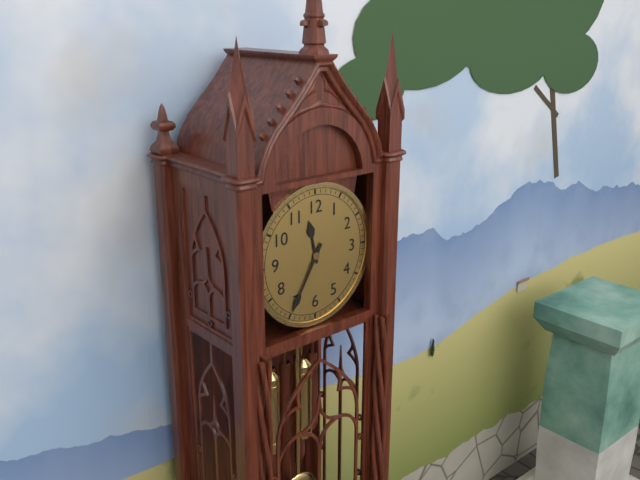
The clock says 11.35
